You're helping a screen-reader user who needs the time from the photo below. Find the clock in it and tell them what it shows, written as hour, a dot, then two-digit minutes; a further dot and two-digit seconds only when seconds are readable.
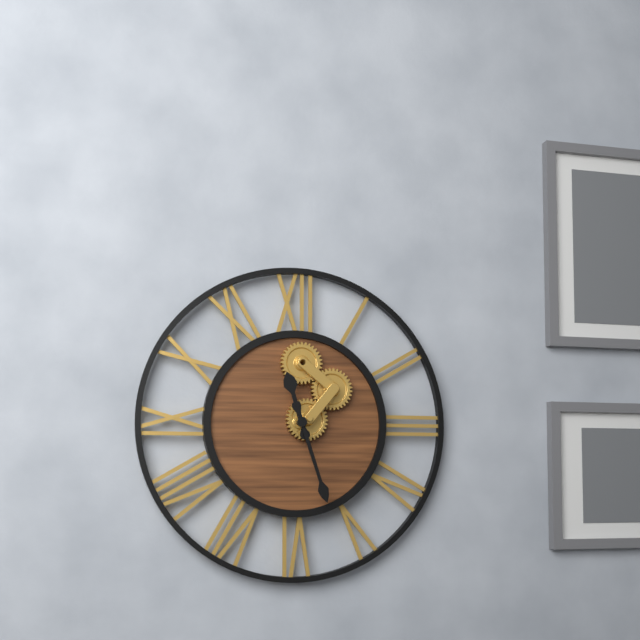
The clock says 11.27
